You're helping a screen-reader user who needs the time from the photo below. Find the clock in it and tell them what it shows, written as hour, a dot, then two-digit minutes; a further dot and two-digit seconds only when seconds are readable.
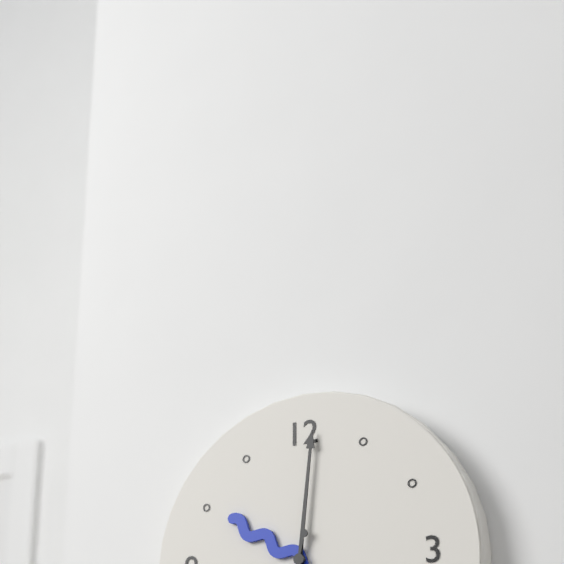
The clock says 10.01
